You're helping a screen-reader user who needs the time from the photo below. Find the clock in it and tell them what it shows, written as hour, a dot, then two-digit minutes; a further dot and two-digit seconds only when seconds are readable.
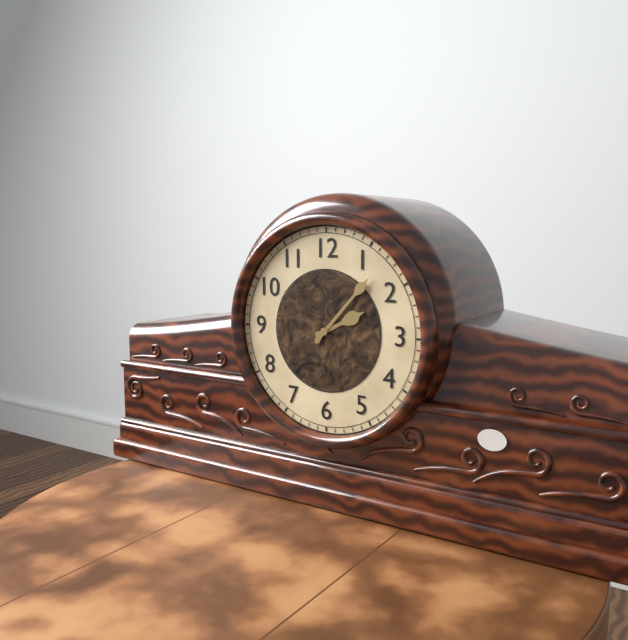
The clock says 2.07
